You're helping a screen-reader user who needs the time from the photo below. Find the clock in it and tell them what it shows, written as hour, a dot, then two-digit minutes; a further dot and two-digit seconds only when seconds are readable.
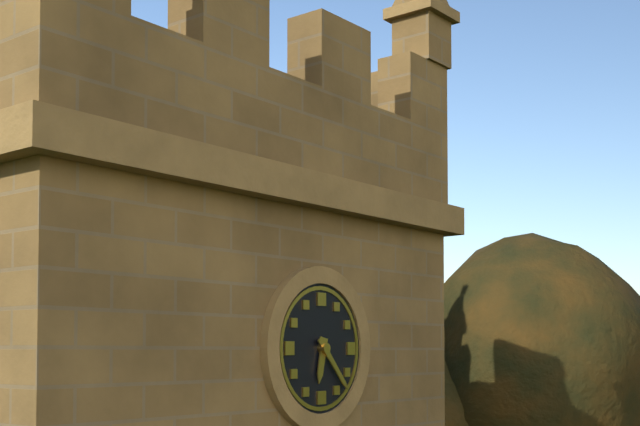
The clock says 6.23
